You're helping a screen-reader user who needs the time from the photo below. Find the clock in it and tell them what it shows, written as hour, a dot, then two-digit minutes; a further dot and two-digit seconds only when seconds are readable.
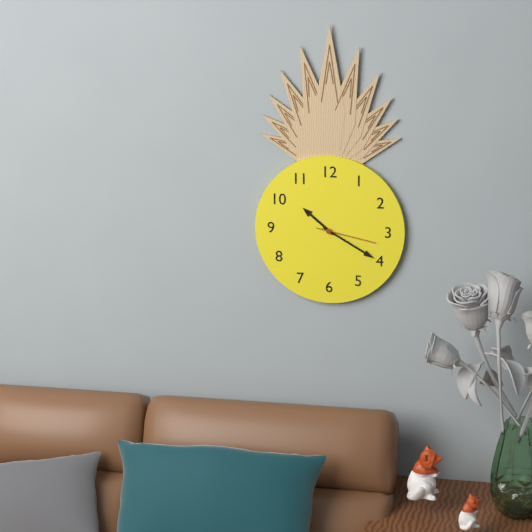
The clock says 10.20.17
